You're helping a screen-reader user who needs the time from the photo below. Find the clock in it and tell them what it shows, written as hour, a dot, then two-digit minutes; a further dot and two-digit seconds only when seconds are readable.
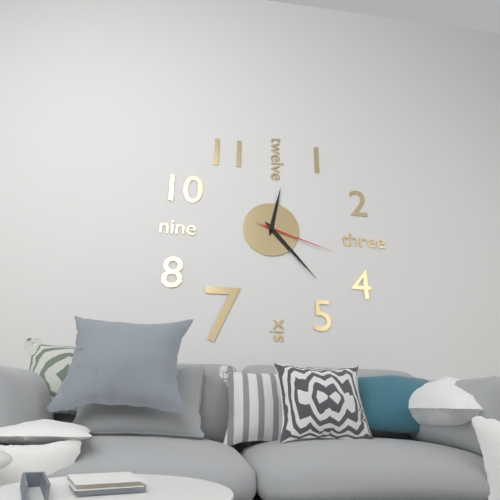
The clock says 12.23.18
